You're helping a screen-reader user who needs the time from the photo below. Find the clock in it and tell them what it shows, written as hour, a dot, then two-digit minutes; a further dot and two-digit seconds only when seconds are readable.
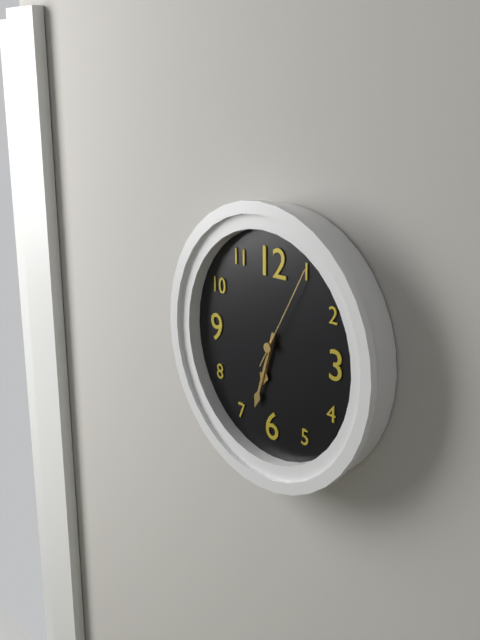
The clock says 6.33.05
